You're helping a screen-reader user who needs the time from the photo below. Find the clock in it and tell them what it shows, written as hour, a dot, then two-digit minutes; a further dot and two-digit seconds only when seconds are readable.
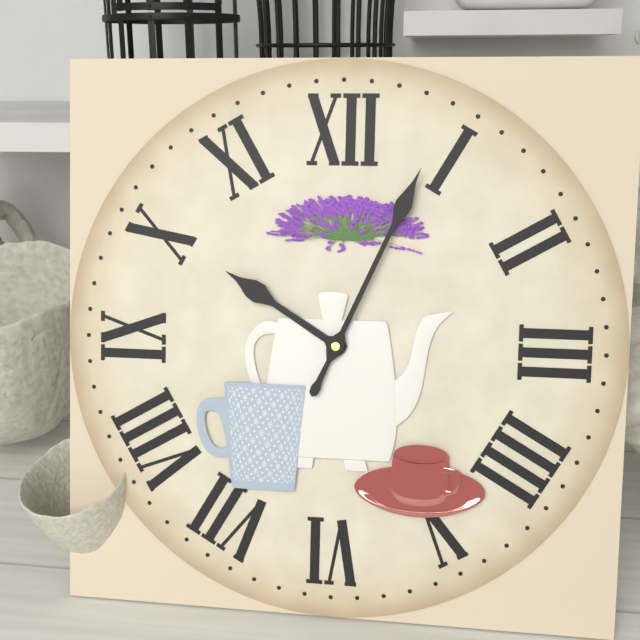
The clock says 10.04
